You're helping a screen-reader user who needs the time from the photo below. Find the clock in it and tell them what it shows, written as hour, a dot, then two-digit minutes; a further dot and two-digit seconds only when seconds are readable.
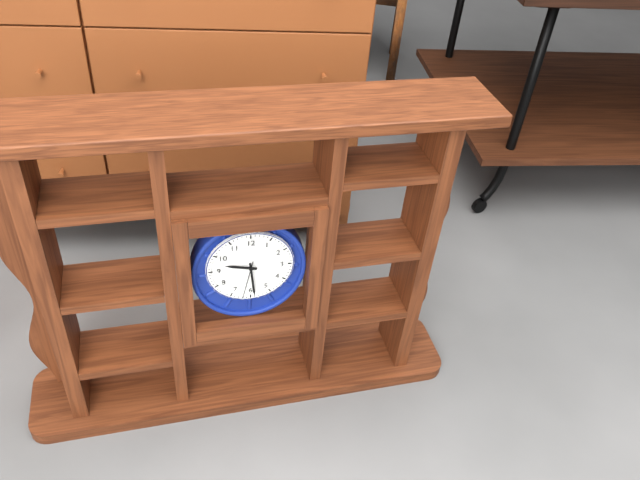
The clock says 9.29
